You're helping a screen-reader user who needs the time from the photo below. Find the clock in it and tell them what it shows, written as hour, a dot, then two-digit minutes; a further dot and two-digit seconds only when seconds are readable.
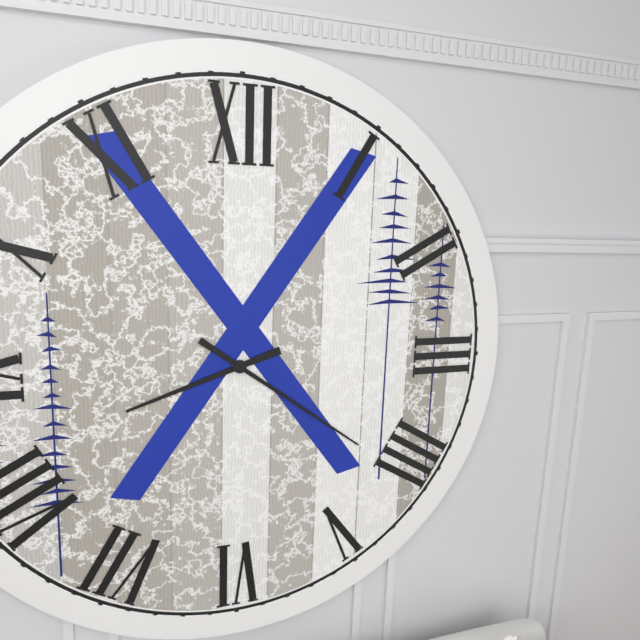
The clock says 8.21
